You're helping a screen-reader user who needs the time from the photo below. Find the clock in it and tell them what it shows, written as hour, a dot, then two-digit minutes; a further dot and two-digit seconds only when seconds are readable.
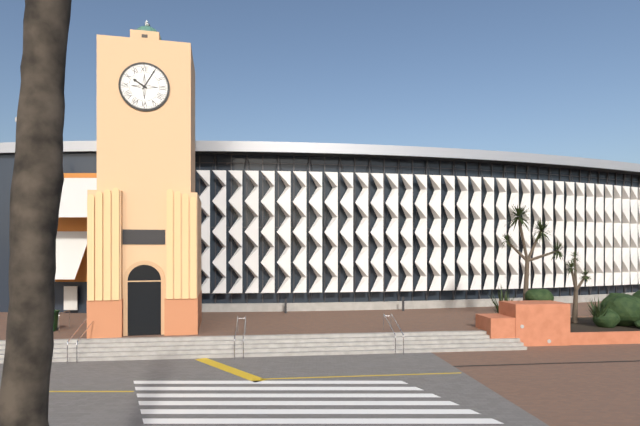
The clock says 10.05
